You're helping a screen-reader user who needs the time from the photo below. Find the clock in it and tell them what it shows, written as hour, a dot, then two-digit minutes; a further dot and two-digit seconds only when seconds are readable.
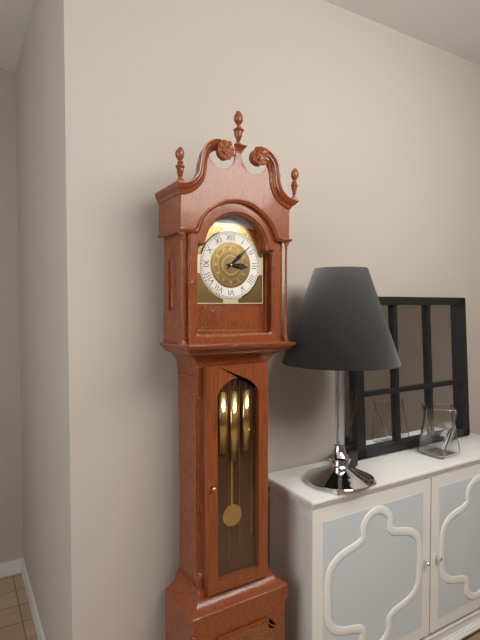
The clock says 3.08
